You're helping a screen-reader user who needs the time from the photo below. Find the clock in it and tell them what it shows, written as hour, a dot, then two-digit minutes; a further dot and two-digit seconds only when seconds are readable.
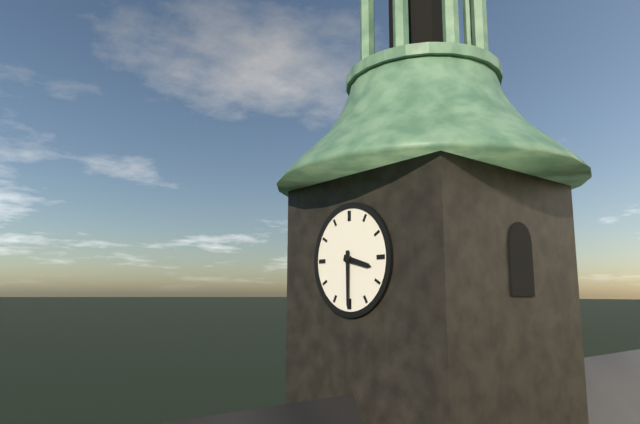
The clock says 3.30
